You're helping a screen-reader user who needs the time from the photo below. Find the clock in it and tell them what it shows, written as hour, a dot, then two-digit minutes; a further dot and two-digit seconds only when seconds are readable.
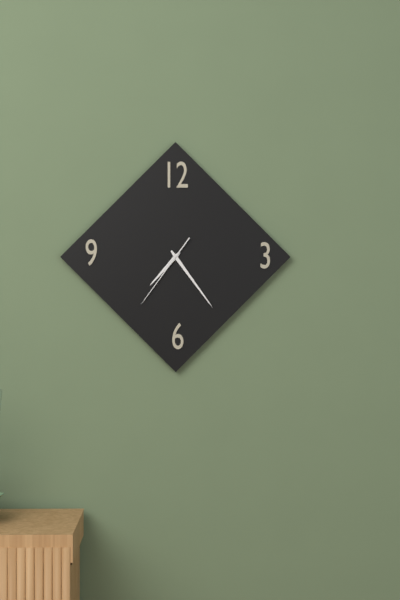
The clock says 7.24.36
